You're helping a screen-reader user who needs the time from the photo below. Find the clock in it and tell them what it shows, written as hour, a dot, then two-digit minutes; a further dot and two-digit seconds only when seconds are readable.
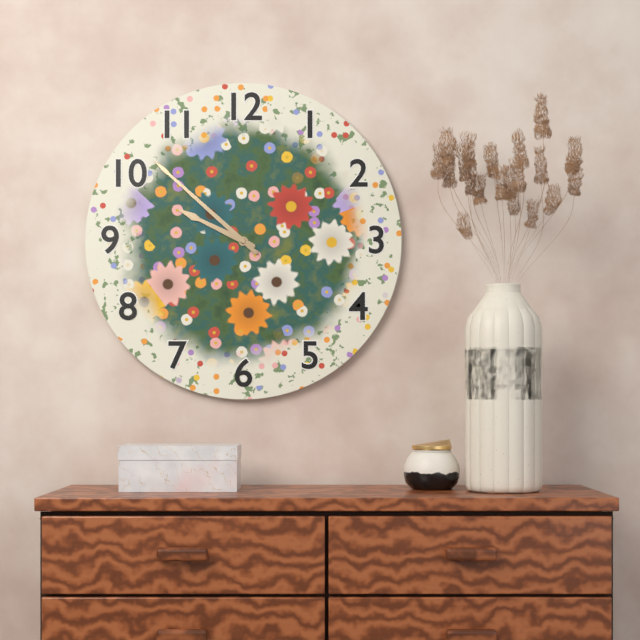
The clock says 9.52
